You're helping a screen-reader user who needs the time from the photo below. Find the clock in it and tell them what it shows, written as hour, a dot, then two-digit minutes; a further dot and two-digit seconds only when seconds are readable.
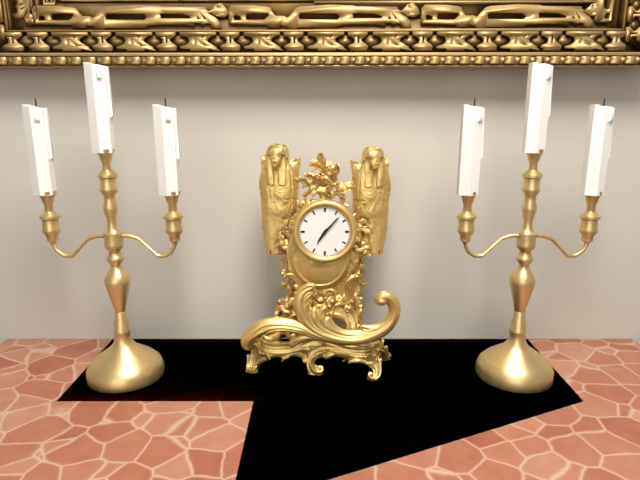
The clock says 7.07
